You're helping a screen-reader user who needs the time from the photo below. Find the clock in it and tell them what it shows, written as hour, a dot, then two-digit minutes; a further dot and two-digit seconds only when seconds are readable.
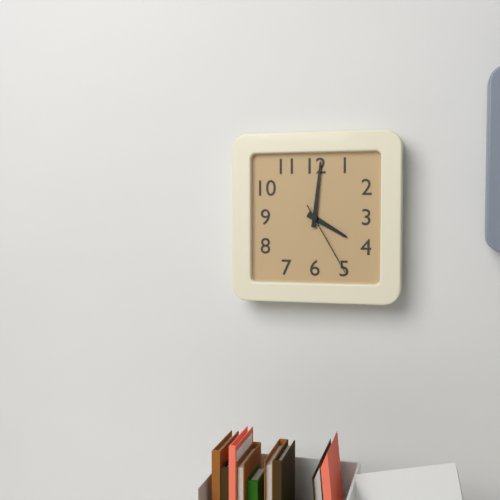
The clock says 4.01.25
